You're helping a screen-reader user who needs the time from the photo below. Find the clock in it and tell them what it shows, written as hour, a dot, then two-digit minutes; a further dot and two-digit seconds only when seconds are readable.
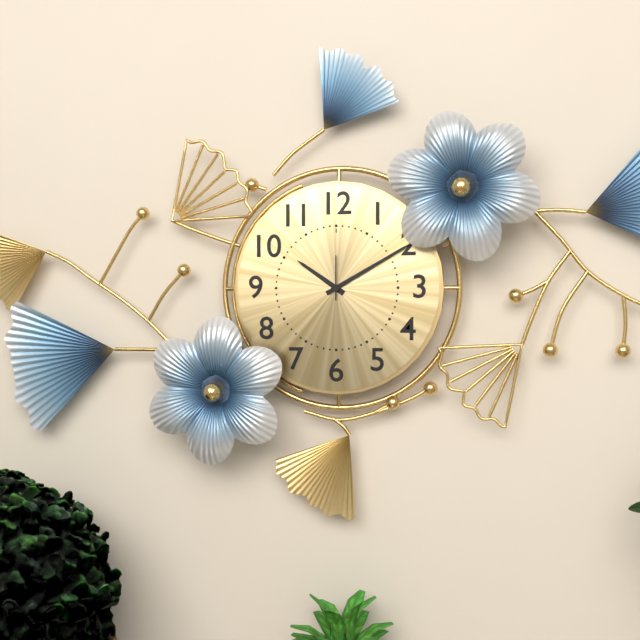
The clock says 10.10
